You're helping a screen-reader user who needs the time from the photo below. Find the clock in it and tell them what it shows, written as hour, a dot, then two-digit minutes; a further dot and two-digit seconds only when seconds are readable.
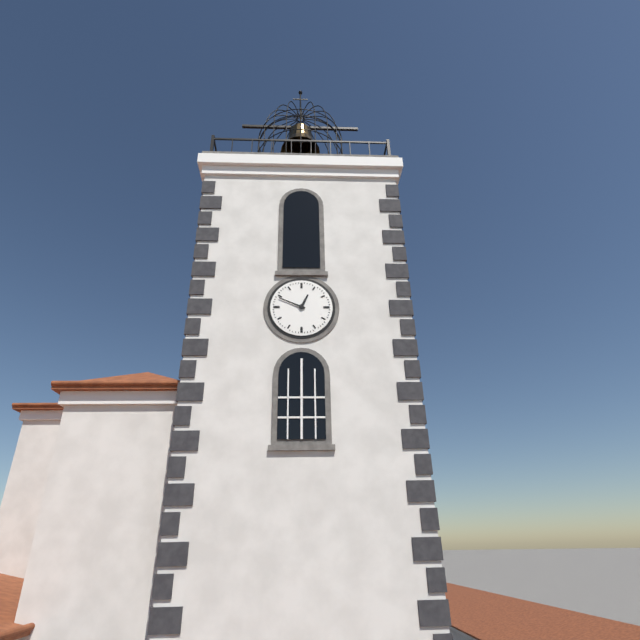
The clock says 12.49
